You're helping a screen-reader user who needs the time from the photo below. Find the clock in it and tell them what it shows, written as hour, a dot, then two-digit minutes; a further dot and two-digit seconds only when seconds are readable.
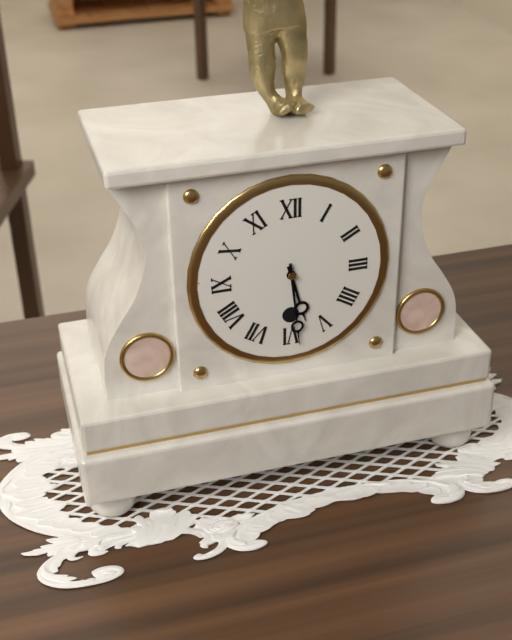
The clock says 5.29
